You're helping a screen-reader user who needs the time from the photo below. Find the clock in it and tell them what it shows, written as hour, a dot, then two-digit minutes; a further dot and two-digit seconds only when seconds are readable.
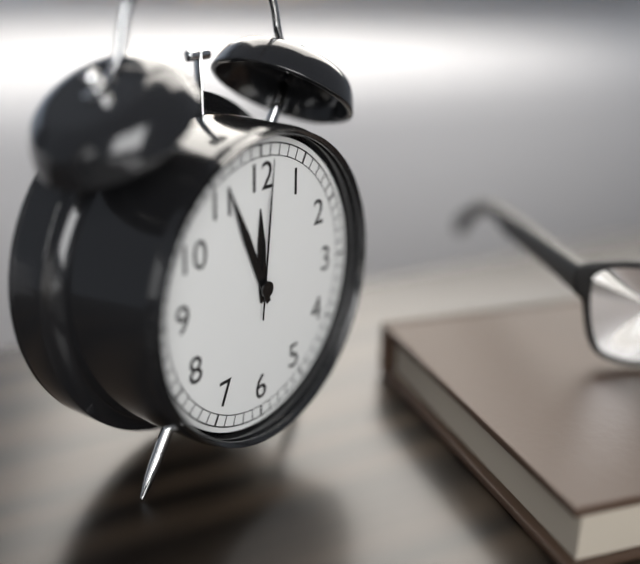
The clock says 11.56.01
